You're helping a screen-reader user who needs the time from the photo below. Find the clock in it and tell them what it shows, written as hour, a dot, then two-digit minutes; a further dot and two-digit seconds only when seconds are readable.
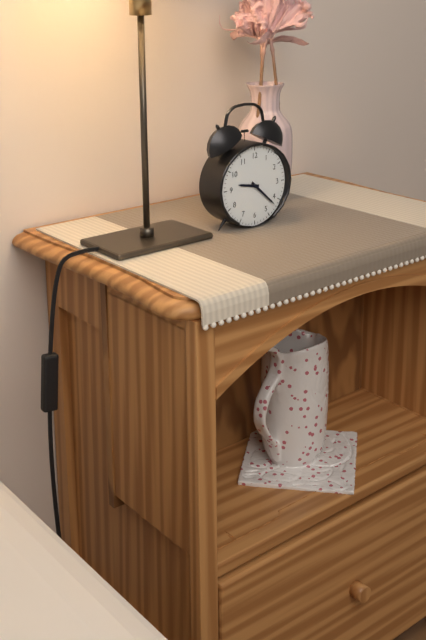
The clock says 9.22
